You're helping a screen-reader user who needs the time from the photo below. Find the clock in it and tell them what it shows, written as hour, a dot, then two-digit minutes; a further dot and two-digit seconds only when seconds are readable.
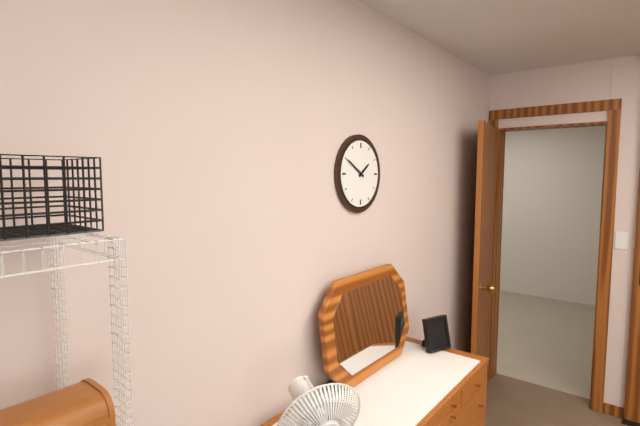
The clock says 1.50
